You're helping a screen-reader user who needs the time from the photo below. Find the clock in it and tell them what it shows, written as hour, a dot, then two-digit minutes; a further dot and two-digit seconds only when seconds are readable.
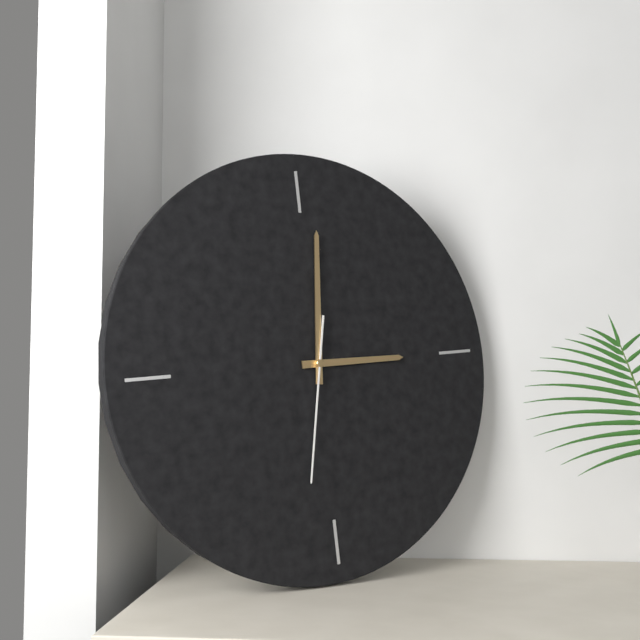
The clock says 3.01.32
